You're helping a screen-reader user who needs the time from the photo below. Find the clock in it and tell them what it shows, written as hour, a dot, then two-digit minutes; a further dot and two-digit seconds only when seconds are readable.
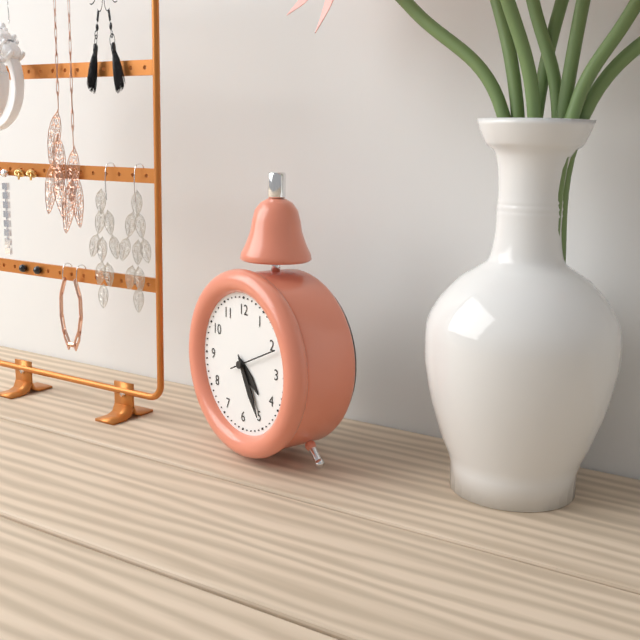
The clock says 4.25
